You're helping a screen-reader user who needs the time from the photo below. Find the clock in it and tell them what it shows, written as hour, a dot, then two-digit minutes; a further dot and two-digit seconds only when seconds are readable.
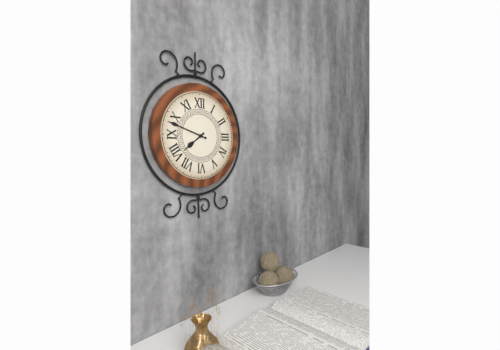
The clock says 7.48
